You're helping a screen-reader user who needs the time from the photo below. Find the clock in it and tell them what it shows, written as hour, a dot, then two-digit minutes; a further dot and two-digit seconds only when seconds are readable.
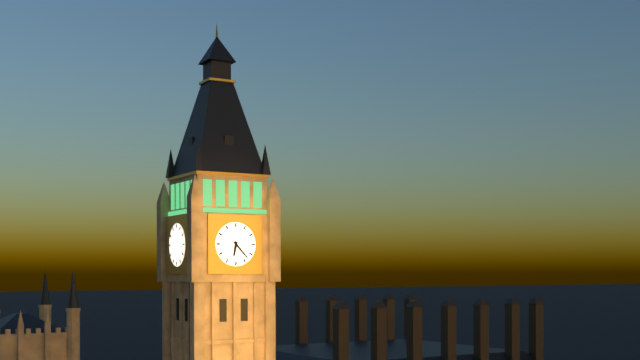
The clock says 6.23
